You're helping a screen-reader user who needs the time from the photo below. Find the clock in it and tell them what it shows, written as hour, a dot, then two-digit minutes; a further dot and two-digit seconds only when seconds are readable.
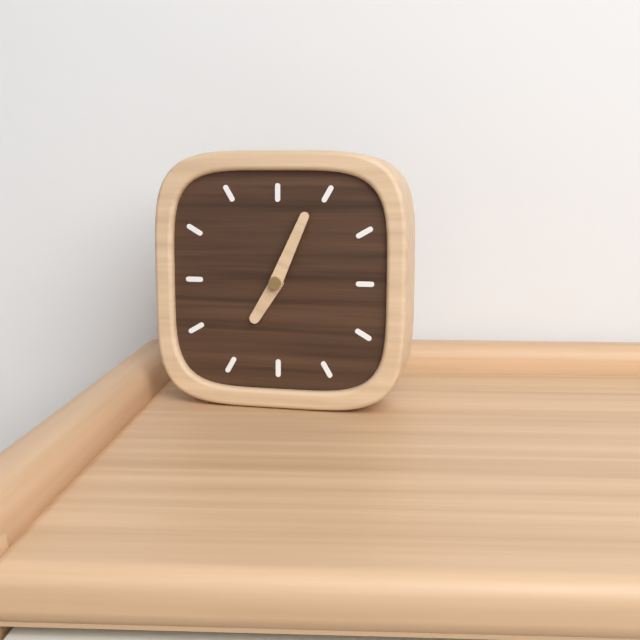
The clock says 7.04
